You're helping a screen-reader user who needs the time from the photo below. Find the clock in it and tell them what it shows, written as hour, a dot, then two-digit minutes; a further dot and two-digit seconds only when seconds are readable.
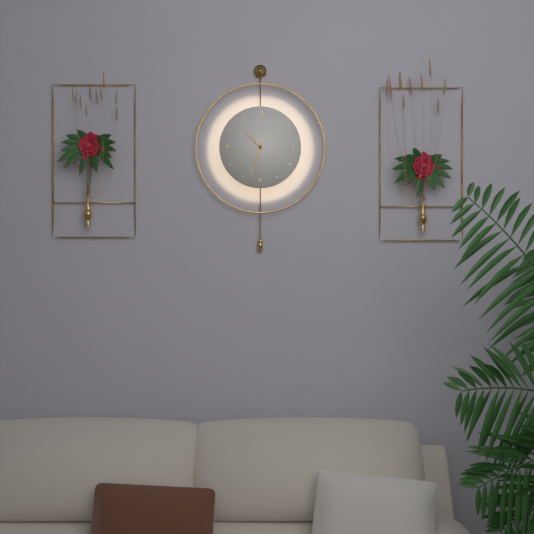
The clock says 10.33
